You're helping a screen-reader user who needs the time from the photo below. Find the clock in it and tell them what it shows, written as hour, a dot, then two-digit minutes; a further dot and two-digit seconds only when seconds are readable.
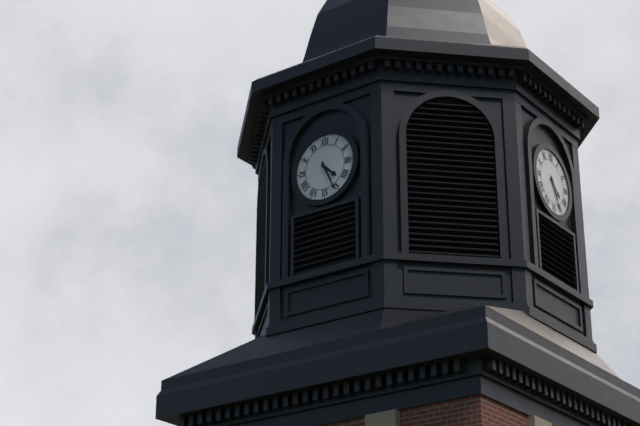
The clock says 4.26
